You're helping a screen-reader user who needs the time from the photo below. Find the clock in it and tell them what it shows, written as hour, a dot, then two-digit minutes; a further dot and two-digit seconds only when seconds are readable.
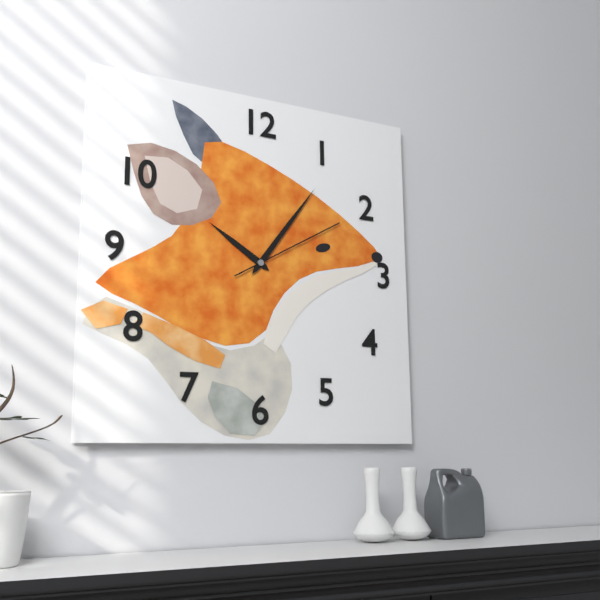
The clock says 10.06.10
